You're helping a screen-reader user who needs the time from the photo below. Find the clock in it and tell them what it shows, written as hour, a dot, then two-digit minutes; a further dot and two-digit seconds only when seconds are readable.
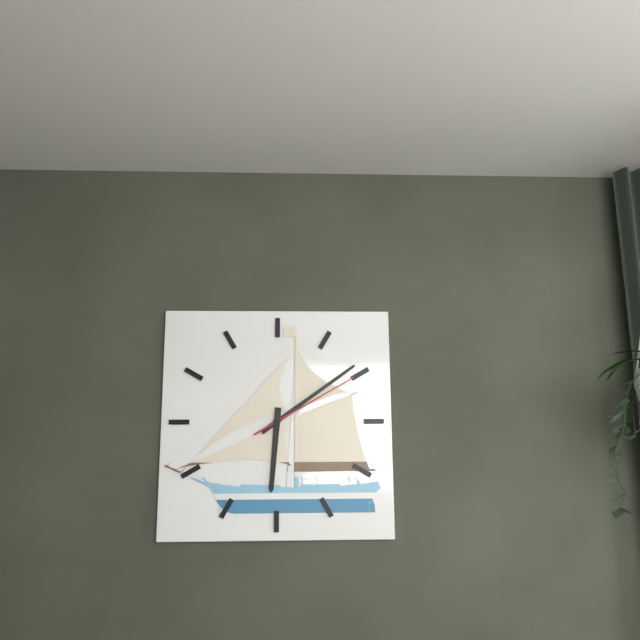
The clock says 6.09.10
